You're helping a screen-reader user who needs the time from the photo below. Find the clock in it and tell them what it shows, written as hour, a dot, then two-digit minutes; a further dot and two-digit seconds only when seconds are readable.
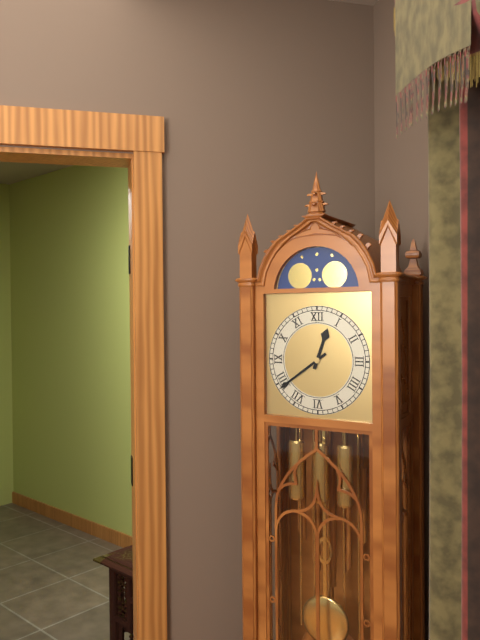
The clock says 12.39
